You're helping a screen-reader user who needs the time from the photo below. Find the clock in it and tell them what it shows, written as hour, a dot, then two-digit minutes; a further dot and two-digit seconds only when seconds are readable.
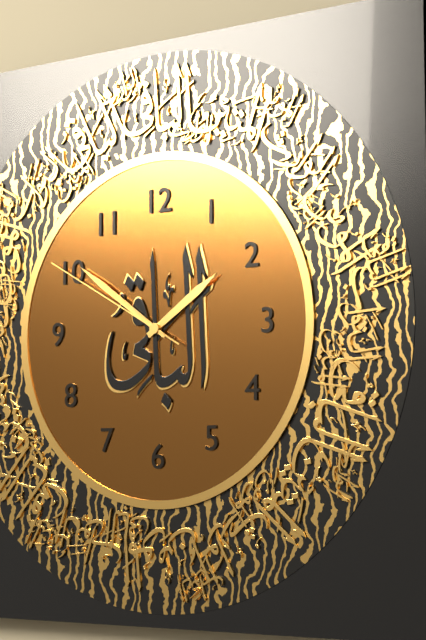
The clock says 1.51.50
